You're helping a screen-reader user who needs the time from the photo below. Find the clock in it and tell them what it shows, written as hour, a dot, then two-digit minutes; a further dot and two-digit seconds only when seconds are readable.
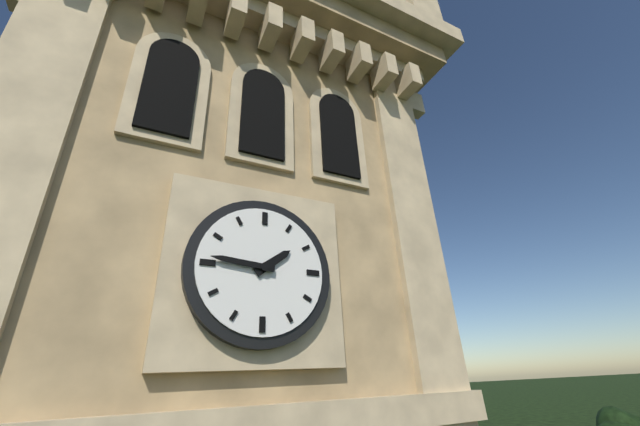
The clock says 1.46
